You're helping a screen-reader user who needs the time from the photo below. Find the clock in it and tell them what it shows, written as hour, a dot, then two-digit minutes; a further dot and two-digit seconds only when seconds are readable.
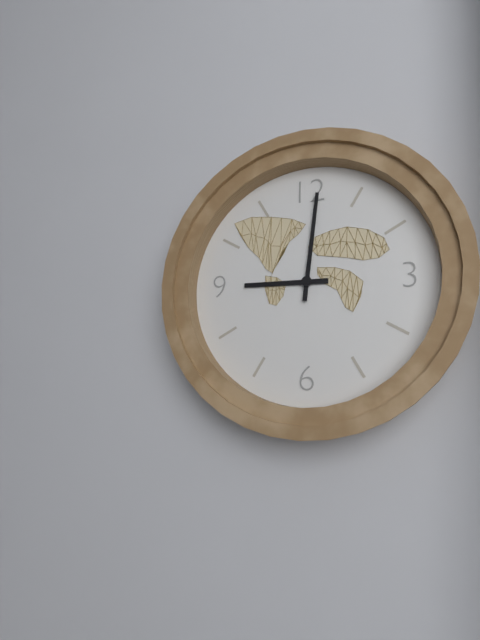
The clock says 9.01
